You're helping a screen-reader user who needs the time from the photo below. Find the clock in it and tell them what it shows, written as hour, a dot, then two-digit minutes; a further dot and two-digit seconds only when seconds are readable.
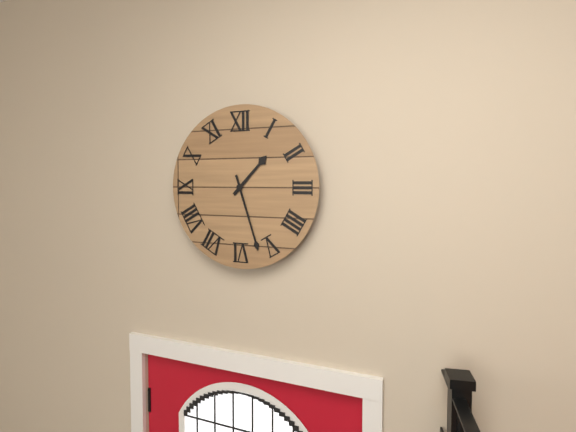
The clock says 1.27
